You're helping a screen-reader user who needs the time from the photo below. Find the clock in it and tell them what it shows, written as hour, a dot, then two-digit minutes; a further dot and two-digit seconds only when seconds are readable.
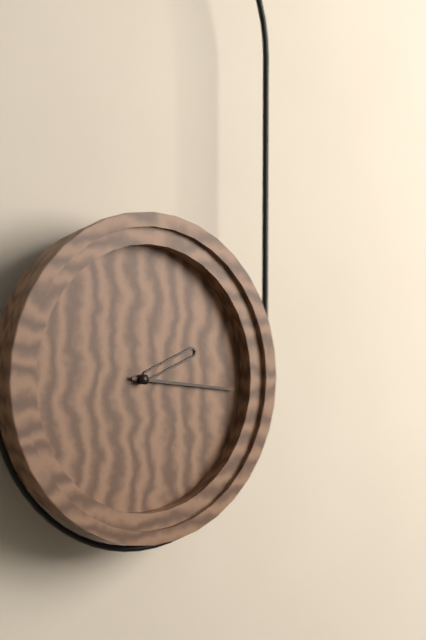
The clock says 2.16
